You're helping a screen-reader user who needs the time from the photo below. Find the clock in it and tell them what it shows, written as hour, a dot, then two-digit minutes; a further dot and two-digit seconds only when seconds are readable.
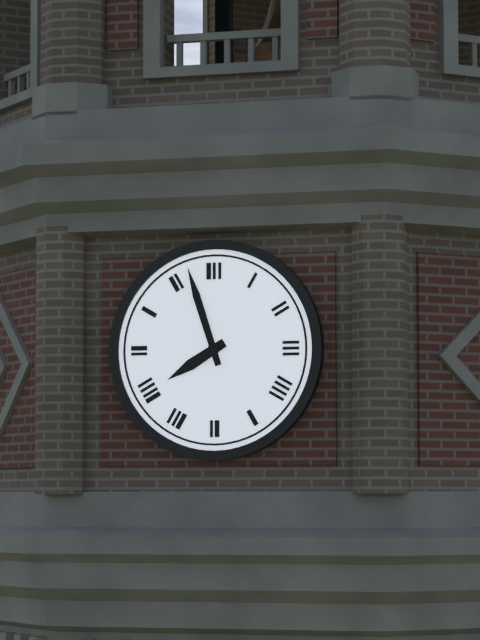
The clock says 7.57
